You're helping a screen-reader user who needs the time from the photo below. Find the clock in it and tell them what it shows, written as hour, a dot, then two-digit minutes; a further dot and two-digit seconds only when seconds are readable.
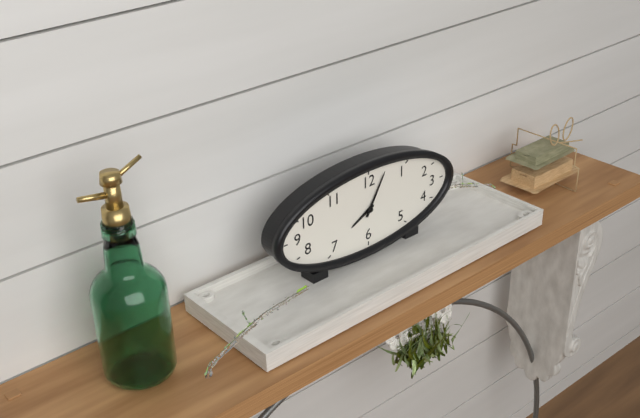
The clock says 8.05
